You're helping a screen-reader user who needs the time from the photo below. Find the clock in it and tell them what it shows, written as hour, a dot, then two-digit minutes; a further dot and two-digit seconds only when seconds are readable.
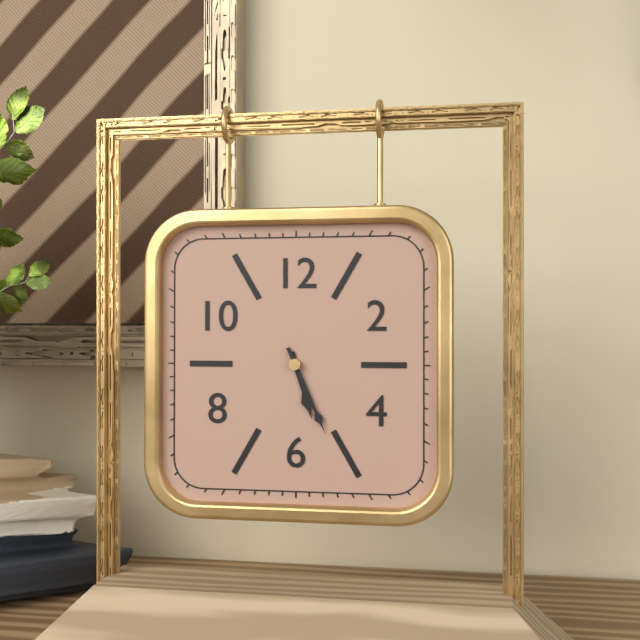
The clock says 5.26
